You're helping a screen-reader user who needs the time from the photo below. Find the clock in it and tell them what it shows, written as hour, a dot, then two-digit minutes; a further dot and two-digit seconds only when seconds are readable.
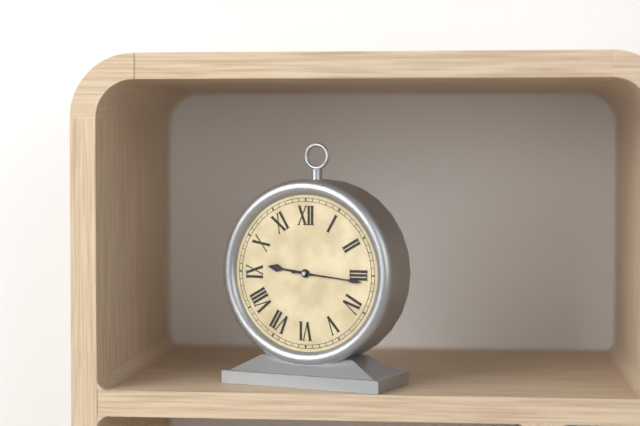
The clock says 9.16
